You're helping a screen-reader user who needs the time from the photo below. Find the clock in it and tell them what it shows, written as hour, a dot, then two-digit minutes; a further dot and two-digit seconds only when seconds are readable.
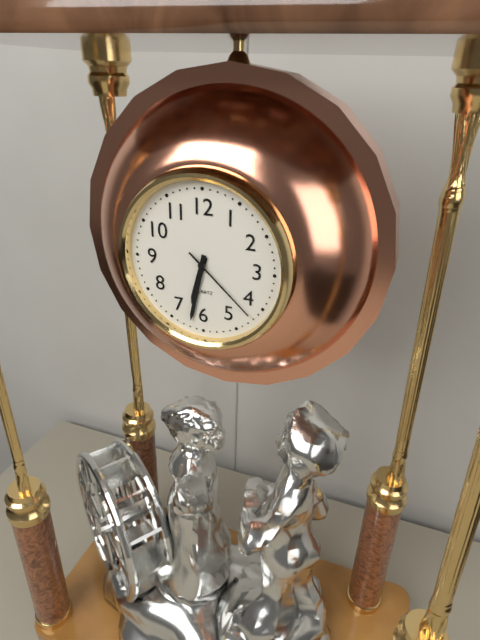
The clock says 6.32.22
